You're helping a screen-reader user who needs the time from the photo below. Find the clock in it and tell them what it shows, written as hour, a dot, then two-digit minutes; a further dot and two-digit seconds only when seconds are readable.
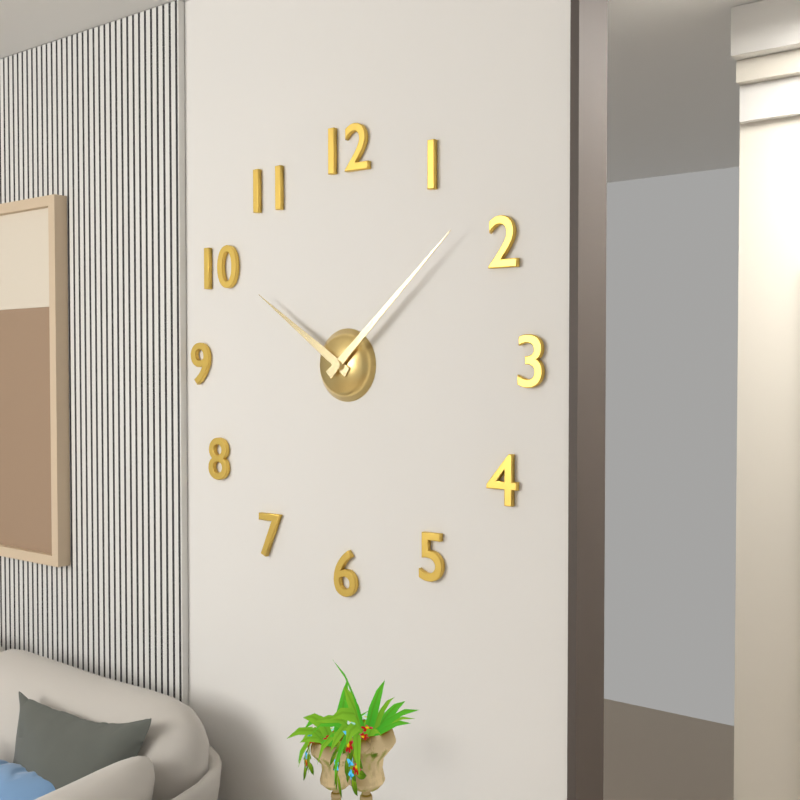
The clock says 10.08
